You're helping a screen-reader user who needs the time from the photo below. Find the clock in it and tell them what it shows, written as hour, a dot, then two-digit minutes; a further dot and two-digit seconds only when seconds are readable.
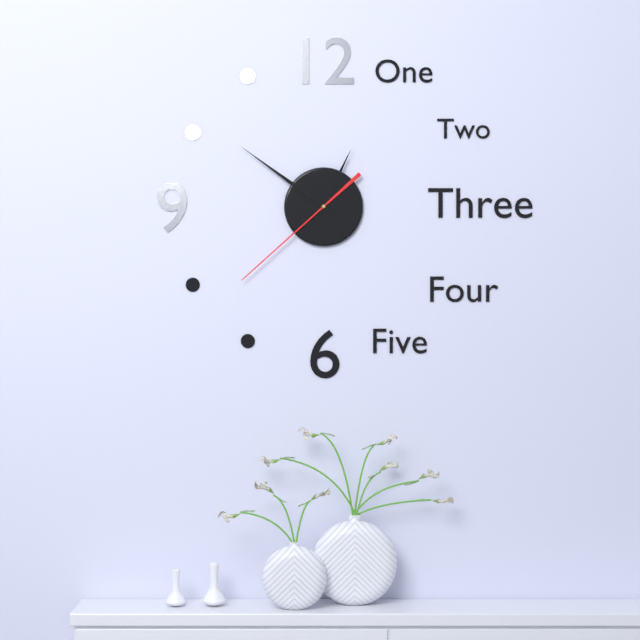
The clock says 12.51.38
